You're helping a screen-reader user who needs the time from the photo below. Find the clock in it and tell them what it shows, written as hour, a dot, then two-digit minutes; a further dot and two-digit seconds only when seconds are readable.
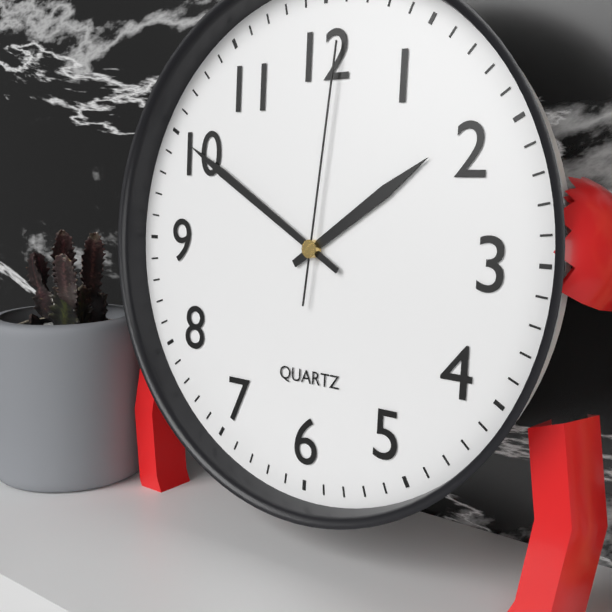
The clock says 1.50.01
